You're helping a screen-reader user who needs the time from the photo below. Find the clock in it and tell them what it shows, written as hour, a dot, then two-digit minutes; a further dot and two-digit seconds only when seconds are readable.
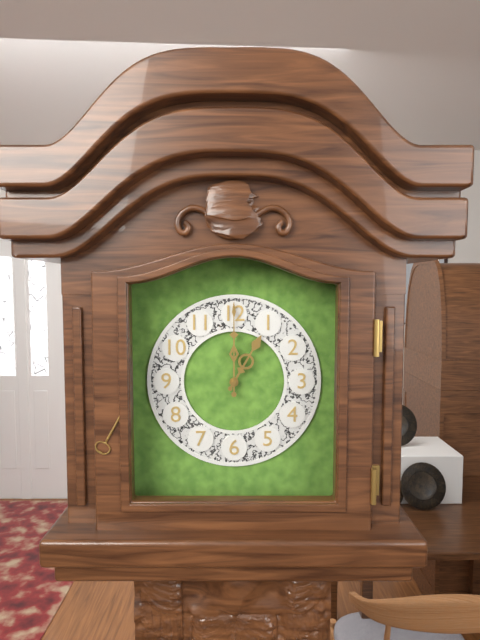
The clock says 1.00
